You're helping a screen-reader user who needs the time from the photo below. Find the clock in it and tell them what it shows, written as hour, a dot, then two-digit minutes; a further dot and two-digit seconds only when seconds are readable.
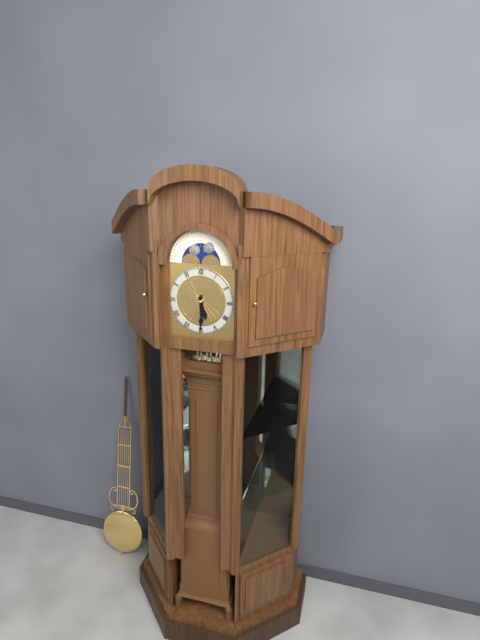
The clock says 5.30
